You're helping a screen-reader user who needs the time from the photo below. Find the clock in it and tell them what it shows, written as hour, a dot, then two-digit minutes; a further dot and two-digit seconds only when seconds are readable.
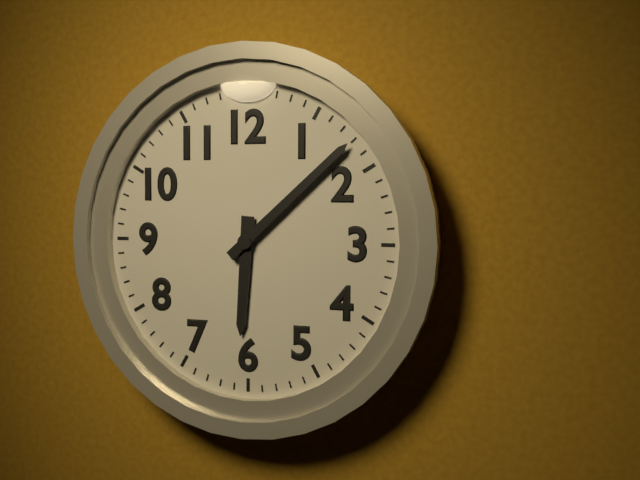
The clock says 6.08
